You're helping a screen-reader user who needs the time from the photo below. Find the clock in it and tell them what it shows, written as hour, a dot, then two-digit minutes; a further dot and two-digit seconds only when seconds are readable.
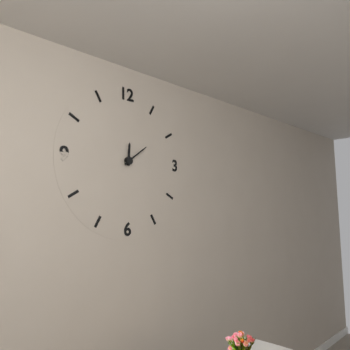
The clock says 12.09
